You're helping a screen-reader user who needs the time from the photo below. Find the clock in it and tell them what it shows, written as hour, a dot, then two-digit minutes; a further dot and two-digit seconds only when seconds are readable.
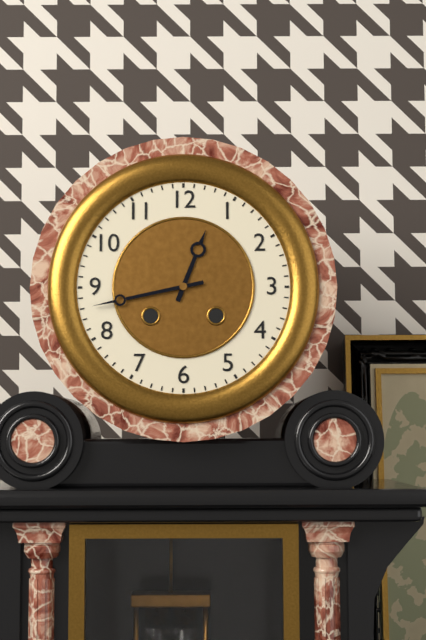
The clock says 12.43
